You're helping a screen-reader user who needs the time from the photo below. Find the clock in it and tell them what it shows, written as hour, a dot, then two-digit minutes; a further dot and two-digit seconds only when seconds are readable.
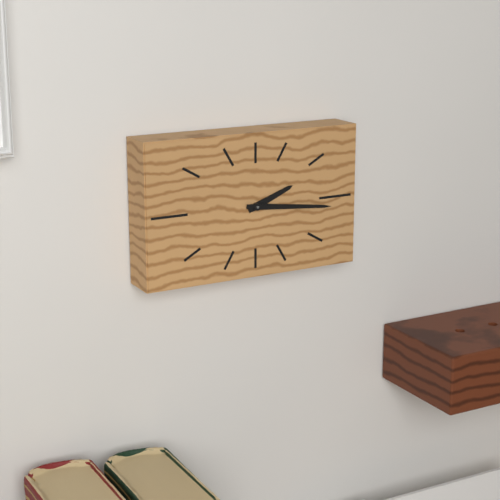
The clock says 2.16
